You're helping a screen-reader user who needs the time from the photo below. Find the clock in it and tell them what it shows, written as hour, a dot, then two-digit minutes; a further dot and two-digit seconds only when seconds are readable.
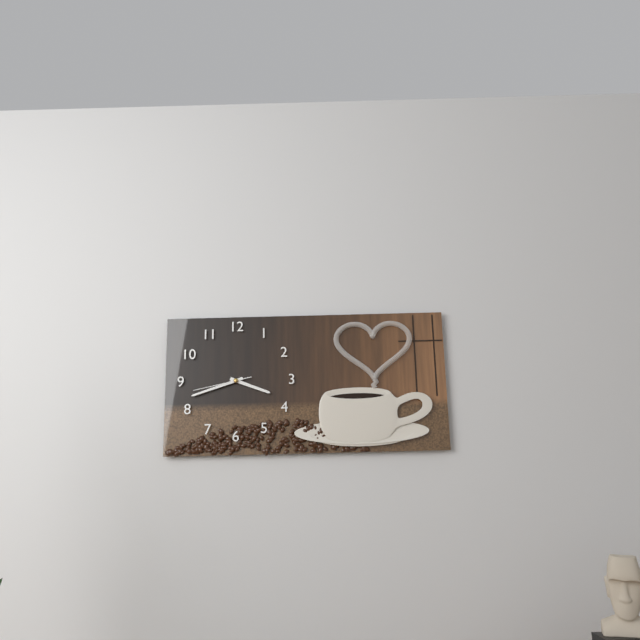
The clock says 3.42.43
